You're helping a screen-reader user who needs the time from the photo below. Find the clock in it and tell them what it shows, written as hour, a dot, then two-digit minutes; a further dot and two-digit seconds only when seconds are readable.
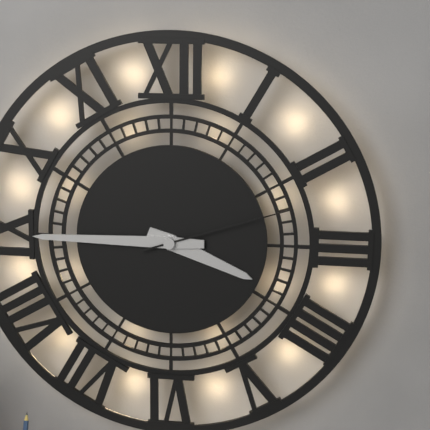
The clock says 3.45.12
